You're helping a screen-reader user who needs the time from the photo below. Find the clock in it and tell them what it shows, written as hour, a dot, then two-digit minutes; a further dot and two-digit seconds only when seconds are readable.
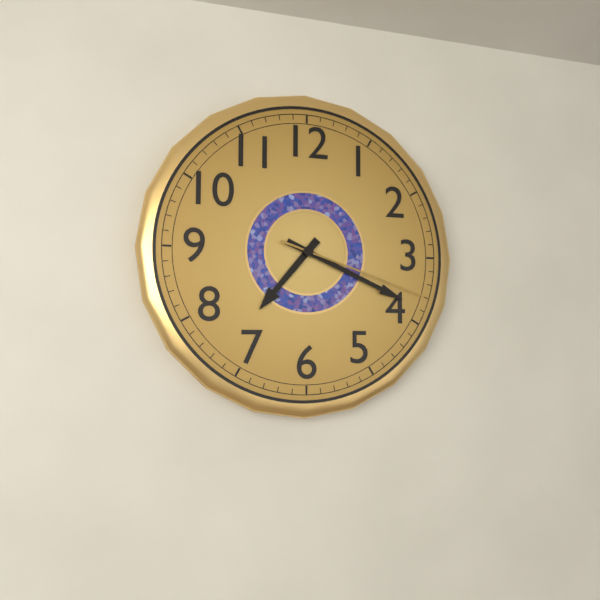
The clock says 7.19.18
